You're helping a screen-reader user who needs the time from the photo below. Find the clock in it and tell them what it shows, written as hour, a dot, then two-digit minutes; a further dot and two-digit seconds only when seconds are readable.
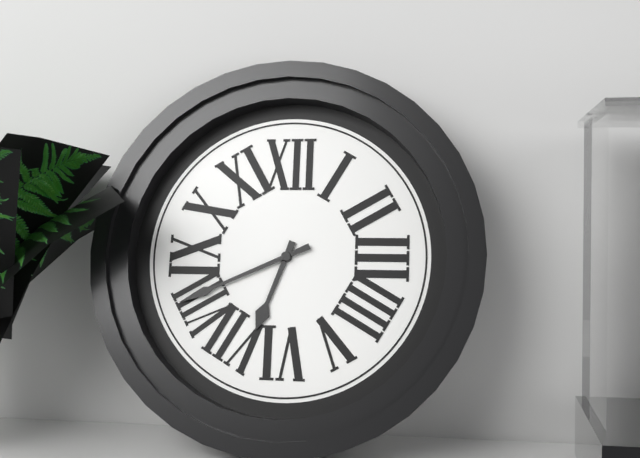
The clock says 6.41
